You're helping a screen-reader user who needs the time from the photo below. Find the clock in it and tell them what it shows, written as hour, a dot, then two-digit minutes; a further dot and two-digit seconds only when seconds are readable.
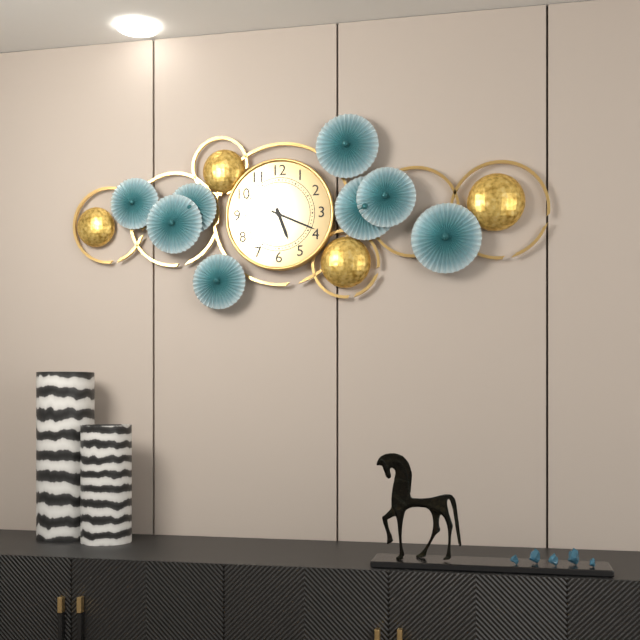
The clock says 5.19
